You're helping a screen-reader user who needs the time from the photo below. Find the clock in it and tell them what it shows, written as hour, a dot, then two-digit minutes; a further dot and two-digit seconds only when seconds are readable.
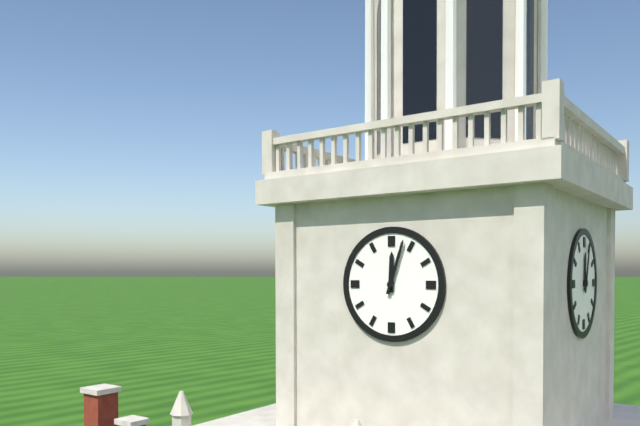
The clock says 12.03
